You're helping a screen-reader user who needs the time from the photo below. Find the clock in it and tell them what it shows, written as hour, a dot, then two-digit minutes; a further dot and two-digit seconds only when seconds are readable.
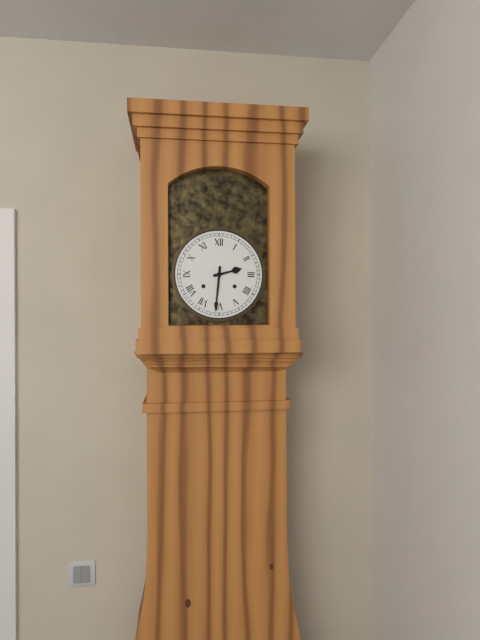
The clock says 2.31
